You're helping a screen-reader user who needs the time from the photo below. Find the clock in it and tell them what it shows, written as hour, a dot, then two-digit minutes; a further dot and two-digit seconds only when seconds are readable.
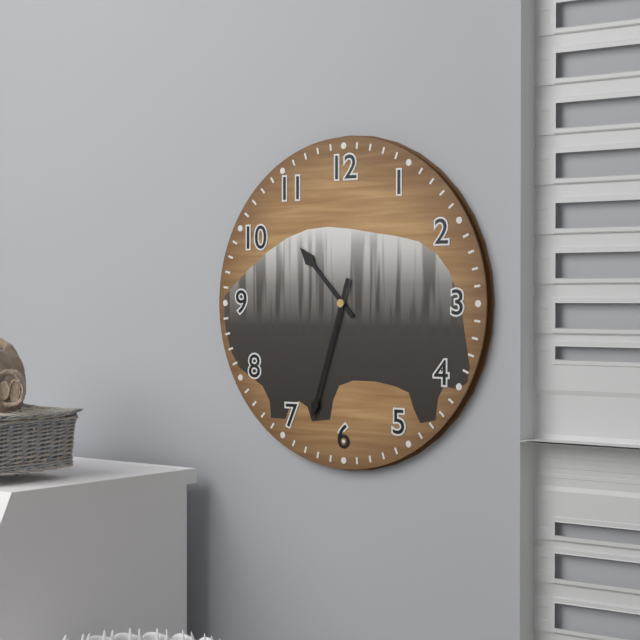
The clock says 10.33
